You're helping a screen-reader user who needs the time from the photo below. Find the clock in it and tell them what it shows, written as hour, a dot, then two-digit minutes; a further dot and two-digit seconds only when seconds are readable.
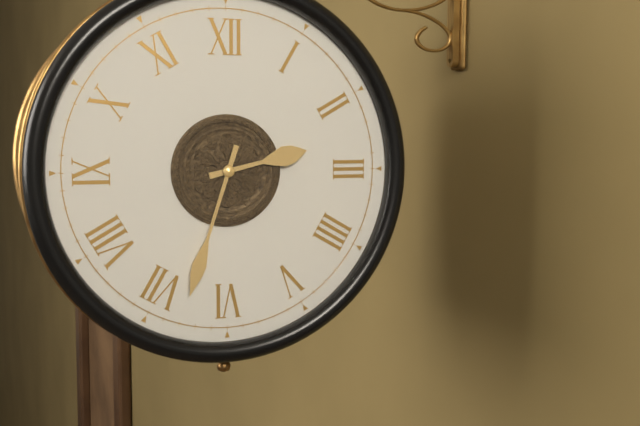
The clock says 2.33
